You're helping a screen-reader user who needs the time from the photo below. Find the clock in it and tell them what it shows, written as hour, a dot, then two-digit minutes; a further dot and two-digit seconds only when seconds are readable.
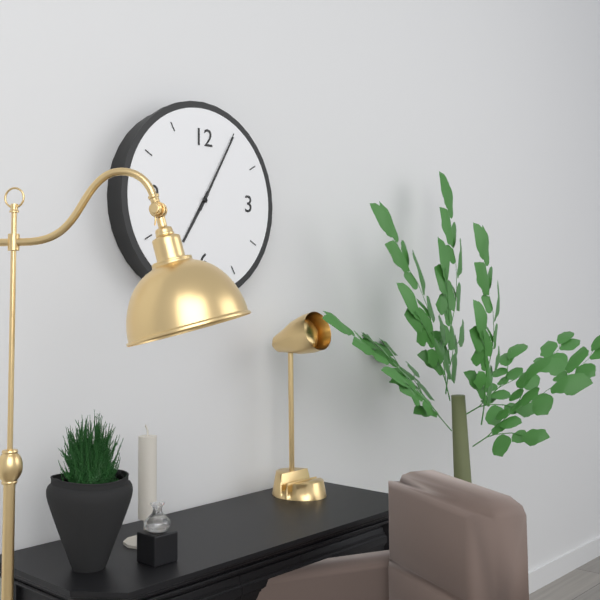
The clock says 7.05
